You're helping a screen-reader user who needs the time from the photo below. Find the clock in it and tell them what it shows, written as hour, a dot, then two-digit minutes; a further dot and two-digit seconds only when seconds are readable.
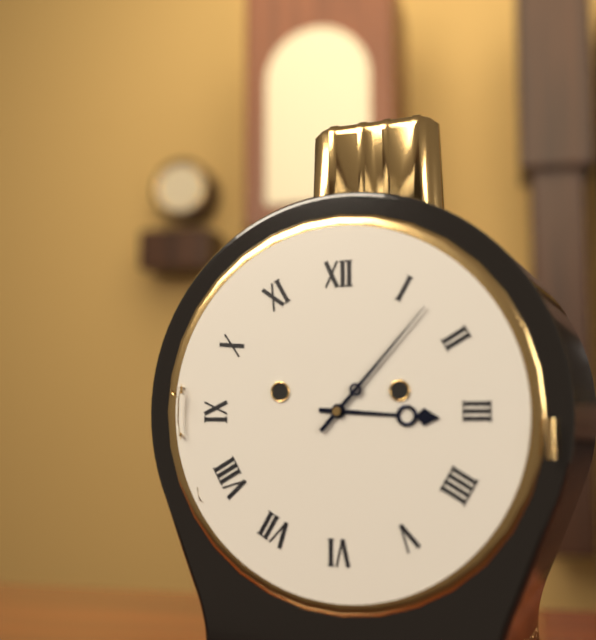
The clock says 3.07
